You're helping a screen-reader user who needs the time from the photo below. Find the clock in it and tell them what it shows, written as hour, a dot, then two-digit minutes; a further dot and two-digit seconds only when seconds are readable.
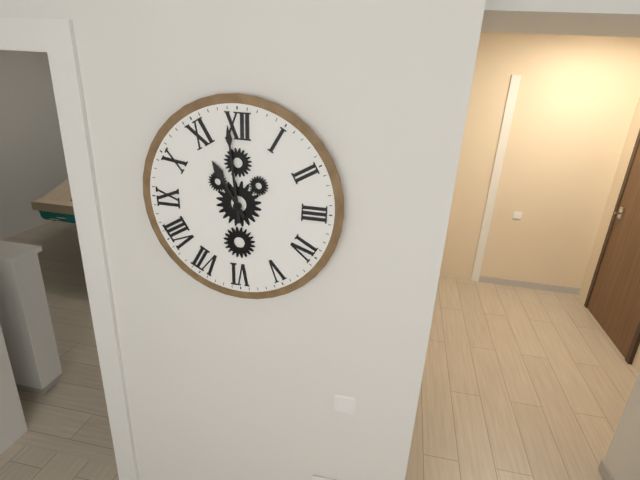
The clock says 10.59
